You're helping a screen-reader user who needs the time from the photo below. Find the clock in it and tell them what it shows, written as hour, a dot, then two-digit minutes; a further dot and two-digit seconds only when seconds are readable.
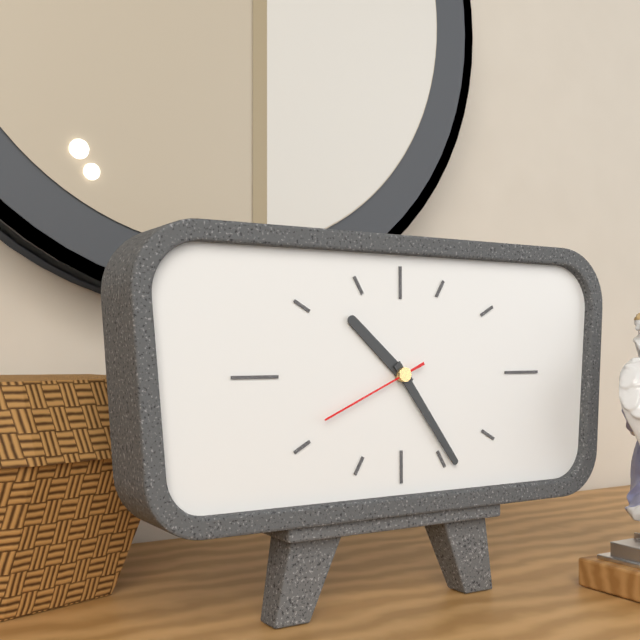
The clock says 10.24.41
